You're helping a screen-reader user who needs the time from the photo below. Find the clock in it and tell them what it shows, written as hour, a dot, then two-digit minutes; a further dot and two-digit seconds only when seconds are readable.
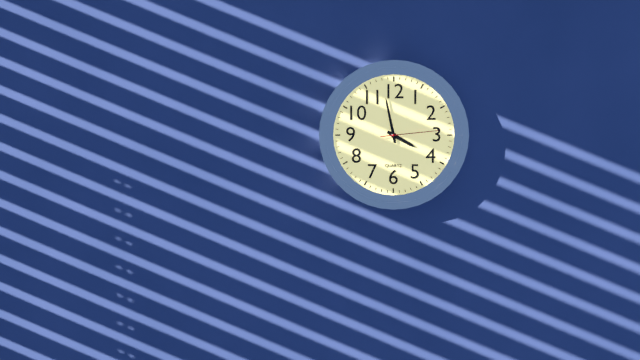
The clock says 3.58.14
